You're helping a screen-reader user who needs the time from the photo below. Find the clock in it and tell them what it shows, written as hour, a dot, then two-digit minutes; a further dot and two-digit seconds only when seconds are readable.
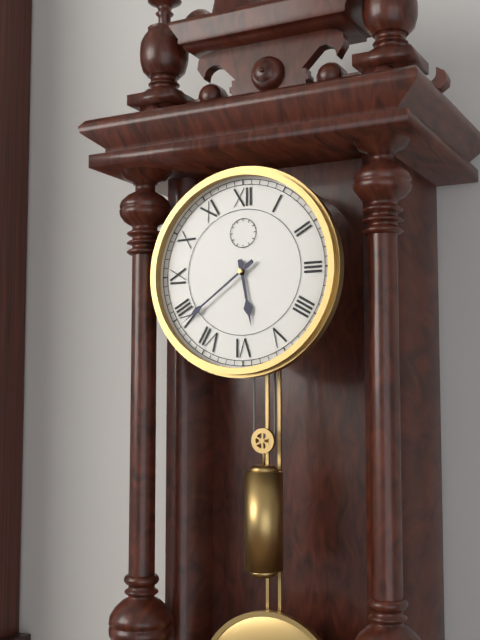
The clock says 5.39
